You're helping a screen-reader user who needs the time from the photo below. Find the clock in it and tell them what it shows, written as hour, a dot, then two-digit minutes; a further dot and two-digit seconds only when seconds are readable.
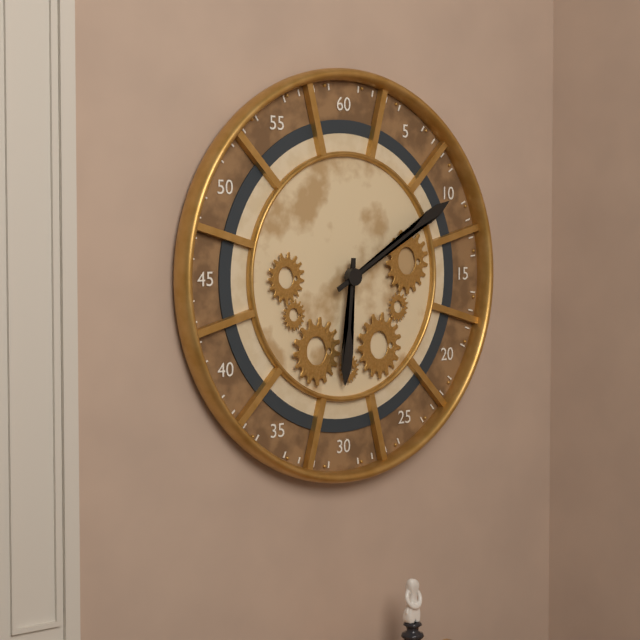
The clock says 6.10
